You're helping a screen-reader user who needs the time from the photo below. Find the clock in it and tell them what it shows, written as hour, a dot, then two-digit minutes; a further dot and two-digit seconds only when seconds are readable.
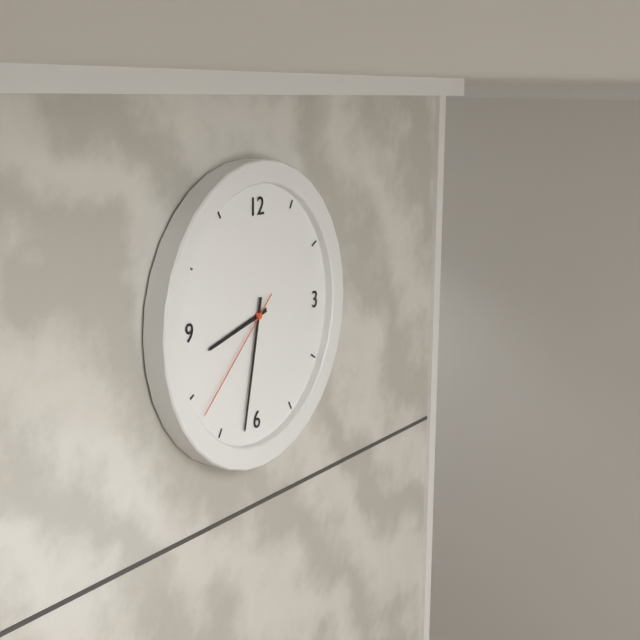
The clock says 8.32.38
